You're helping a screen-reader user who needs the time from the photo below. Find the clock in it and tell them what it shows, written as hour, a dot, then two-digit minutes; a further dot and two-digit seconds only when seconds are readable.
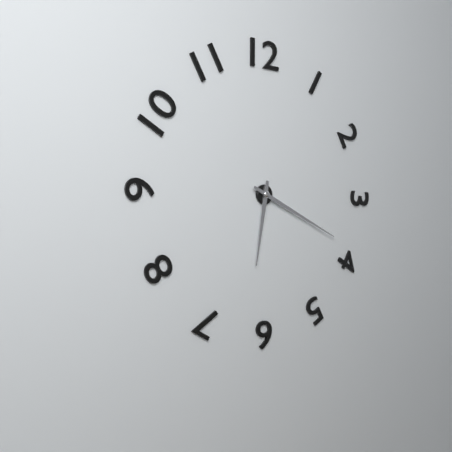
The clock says 6.19
